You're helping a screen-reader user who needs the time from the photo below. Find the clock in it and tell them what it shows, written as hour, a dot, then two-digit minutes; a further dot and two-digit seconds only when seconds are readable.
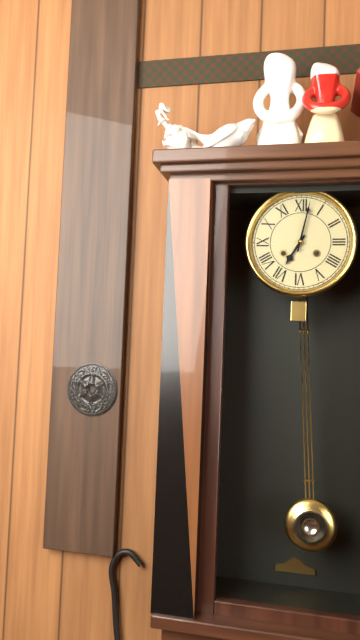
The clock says 7.02
